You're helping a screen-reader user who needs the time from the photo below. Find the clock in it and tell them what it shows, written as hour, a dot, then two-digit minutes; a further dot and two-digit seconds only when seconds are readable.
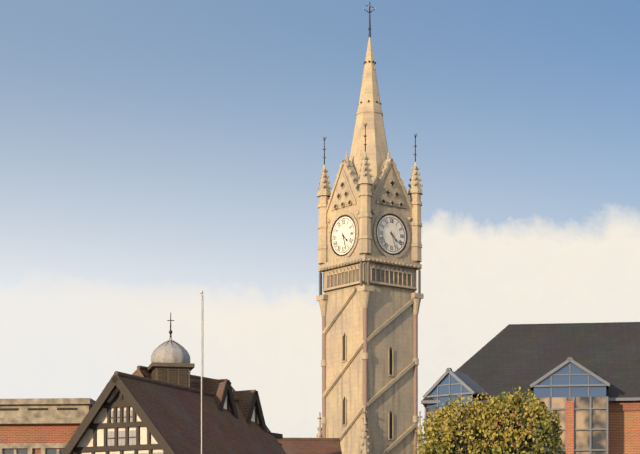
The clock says 4.27
